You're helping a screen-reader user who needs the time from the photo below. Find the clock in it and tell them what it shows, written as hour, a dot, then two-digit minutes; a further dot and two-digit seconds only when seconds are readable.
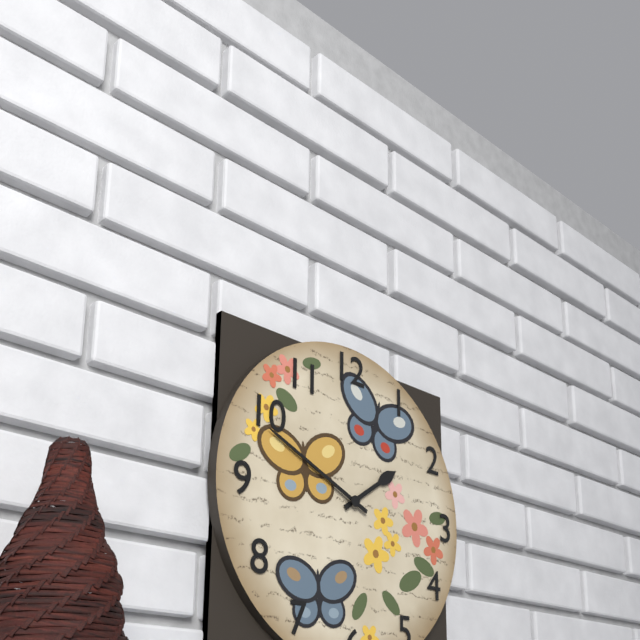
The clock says 1.49
